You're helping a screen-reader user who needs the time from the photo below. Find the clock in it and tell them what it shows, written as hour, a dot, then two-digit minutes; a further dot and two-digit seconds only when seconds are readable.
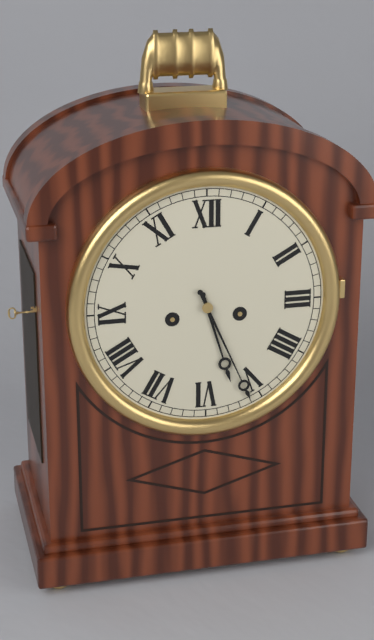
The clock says 5.26
